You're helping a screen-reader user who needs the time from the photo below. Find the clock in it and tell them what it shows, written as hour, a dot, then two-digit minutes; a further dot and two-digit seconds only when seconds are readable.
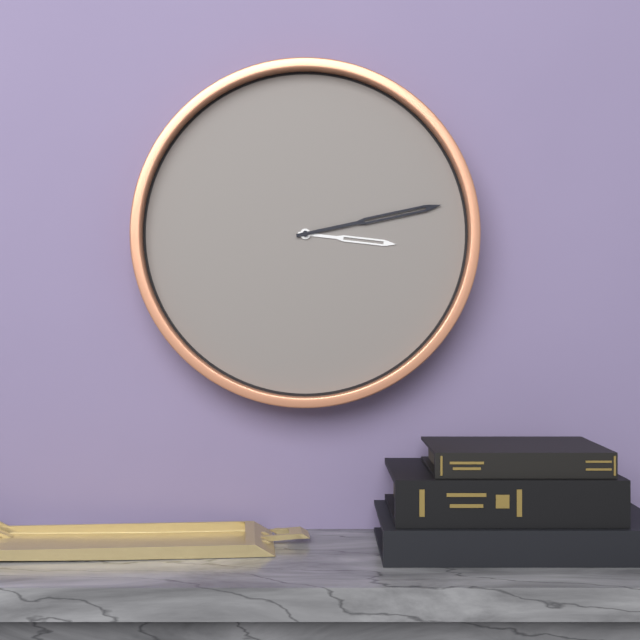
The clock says 3.13
